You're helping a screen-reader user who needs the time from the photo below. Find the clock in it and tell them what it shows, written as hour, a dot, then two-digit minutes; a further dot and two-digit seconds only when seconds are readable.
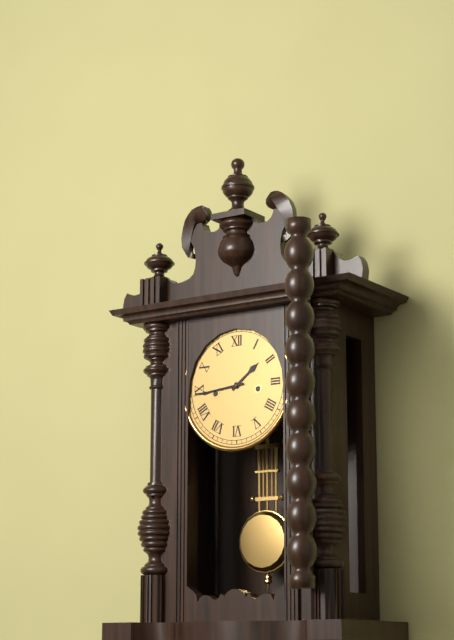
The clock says 1.44
